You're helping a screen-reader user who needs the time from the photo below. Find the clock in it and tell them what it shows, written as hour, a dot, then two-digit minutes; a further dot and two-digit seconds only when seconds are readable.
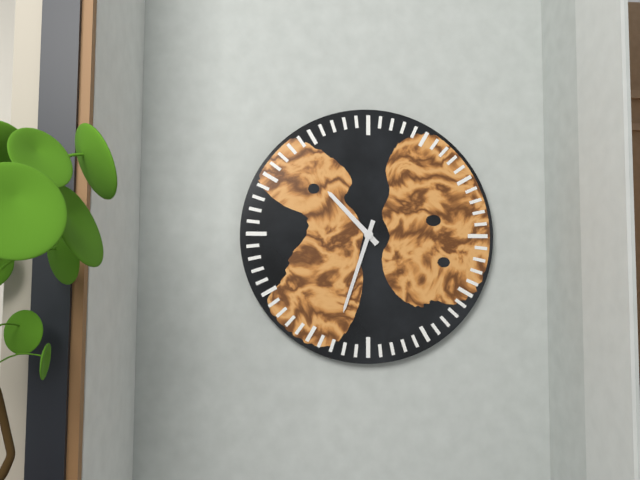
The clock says 10.33
